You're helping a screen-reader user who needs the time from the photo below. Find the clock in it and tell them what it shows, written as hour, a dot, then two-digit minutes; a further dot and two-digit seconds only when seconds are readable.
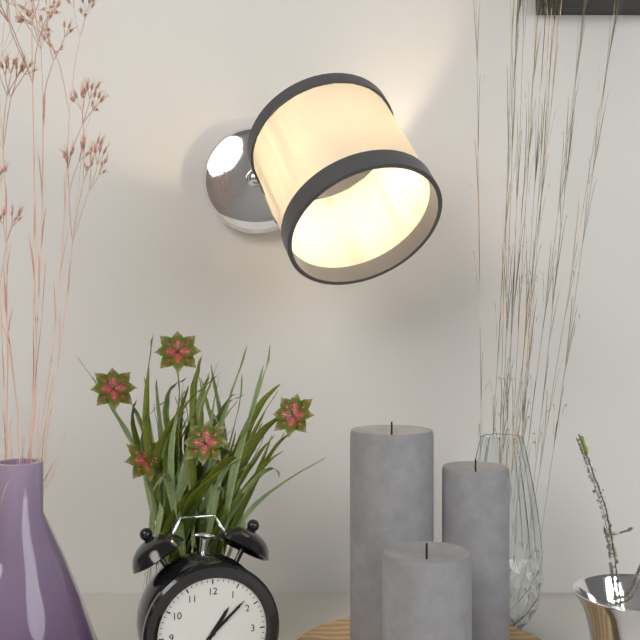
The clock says 1.08
